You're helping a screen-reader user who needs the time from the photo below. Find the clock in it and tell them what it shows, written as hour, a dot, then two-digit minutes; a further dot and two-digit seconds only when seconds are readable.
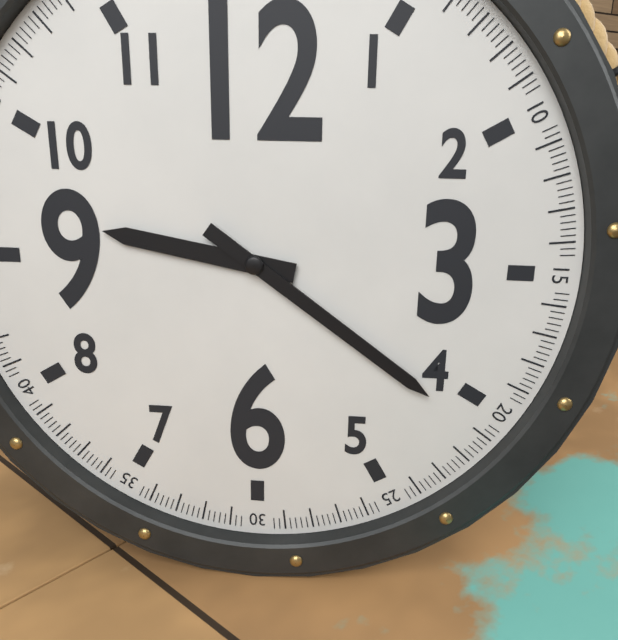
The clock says 9.21
